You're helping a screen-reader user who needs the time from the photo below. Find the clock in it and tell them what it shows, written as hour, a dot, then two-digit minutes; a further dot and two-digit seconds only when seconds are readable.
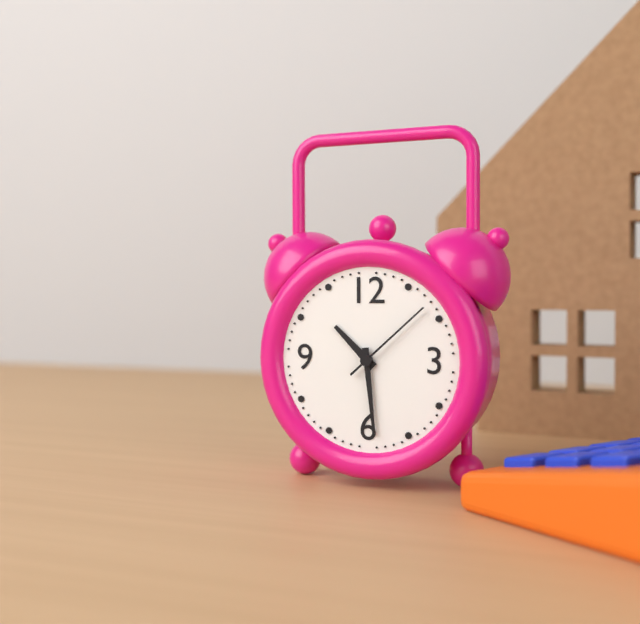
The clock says 10.29.08
